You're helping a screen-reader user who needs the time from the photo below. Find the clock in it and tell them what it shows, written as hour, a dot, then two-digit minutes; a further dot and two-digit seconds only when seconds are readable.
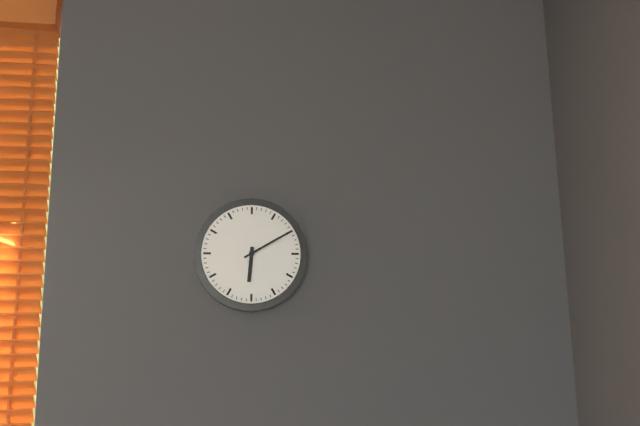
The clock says 6.10
